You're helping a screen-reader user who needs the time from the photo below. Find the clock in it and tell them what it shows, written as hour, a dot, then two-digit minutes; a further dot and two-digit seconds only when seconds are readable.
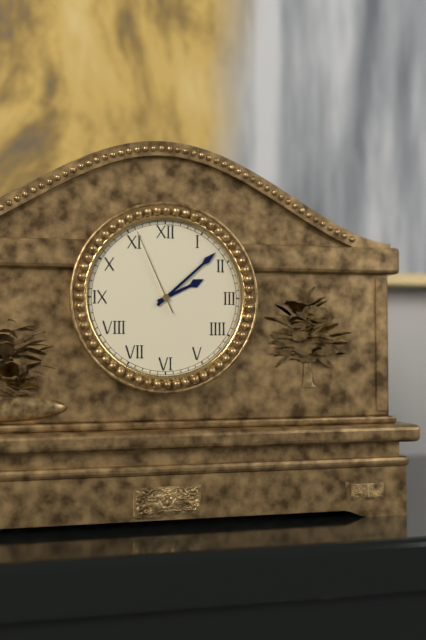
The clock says 2.08.56
